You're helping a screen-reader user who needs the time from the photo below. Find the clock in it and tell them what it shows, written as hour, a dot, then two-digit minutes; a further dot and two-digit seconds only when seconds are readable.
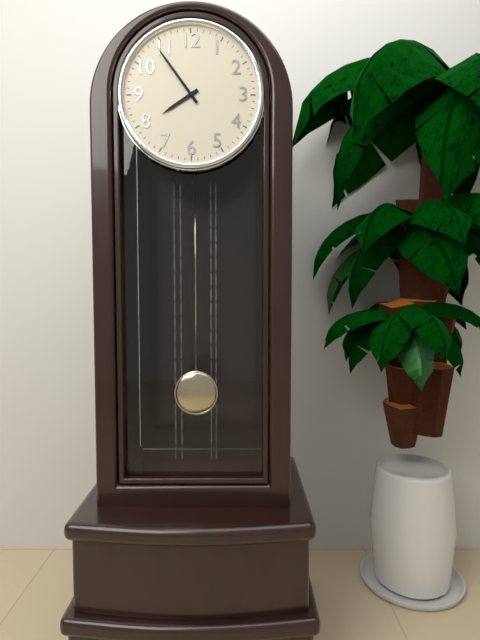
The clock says 7.54
